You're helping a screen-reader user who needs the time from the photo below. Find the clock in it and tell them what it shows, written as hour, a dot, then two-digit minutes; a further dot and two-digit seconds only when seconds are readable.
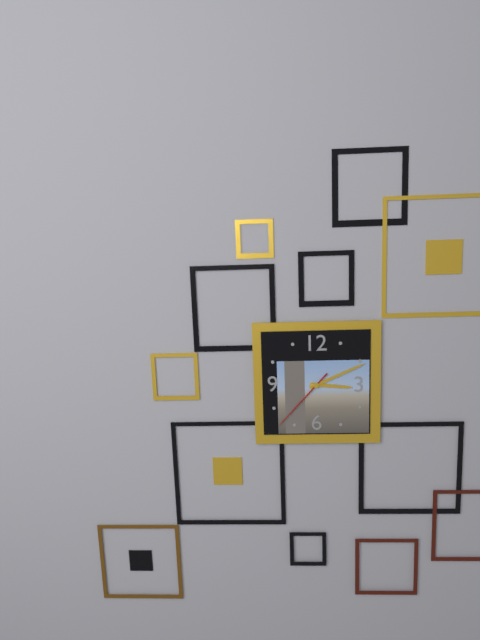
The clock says 3.11.37
